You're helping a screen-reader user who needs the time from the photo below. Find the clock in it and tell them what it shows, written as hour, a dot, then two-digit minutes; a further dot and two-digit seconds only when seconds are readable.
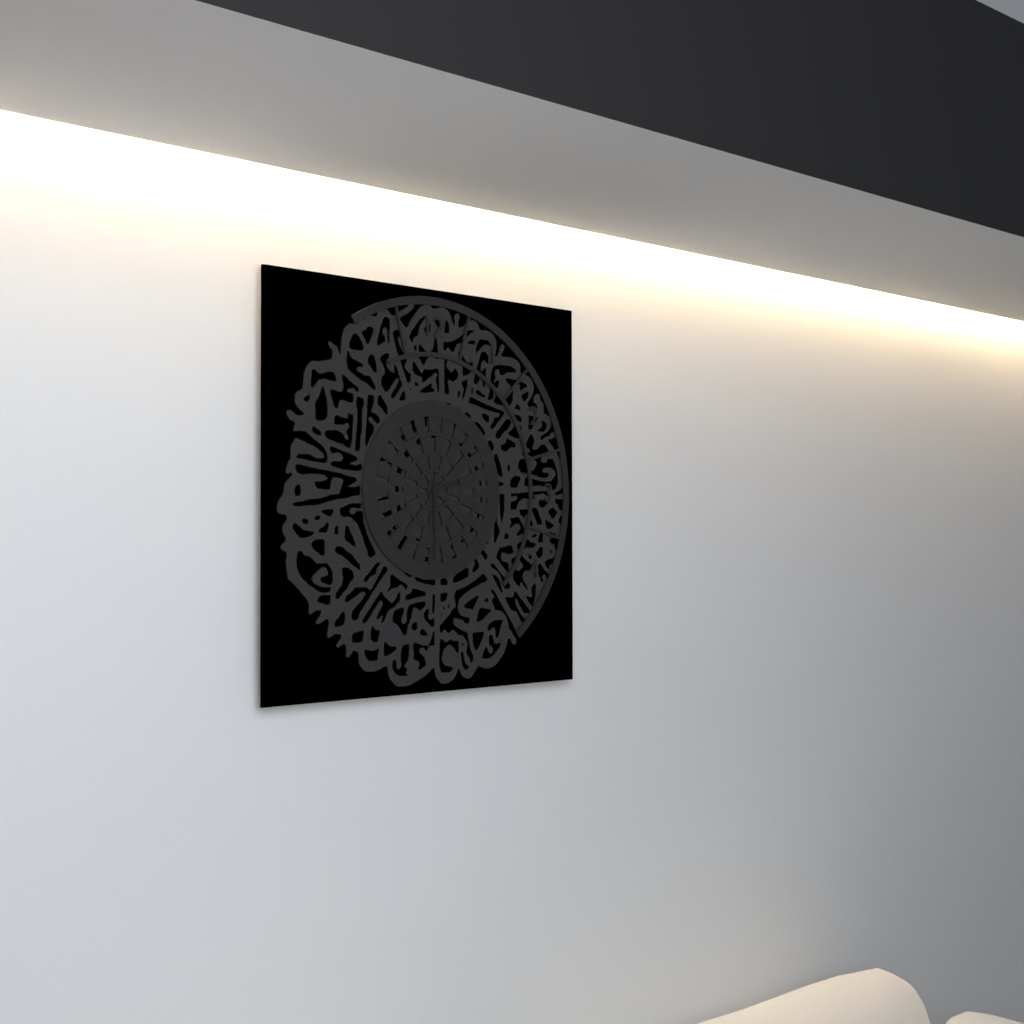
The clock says 2.30
